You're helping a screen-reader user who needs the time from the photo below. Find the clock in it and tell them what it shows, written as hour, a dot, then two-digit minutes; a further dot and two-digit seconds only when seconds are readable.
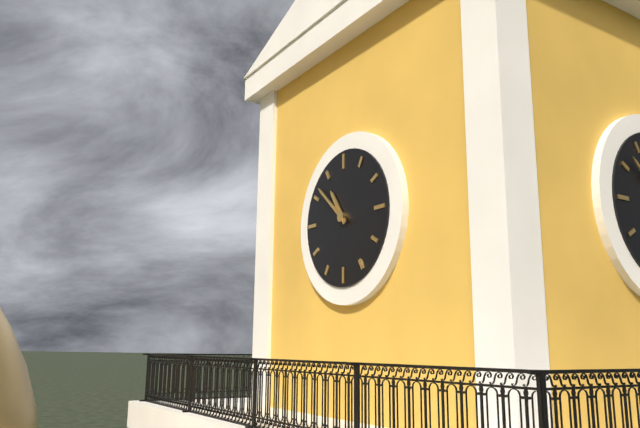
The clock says 10.52
